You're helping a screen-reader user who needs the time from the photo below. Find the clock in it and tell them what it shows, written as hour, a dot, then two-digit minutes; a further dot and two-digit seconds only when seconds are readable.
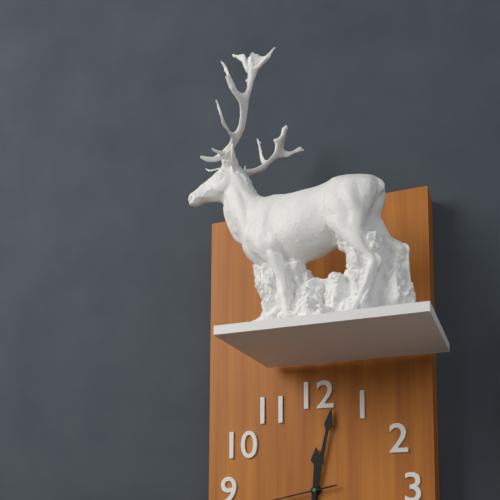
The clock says 12.02
